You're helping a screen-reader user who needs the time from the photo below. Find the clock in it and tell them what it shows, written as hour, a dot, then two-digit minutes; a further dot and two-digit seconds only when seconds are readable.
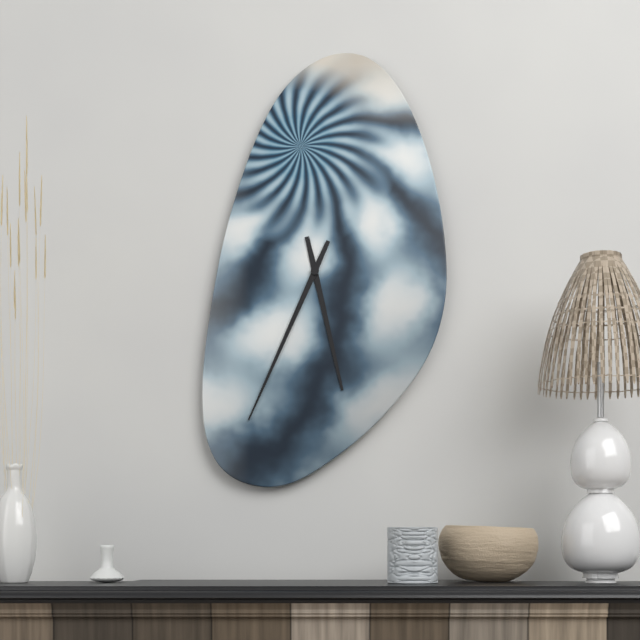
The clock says 5.34
